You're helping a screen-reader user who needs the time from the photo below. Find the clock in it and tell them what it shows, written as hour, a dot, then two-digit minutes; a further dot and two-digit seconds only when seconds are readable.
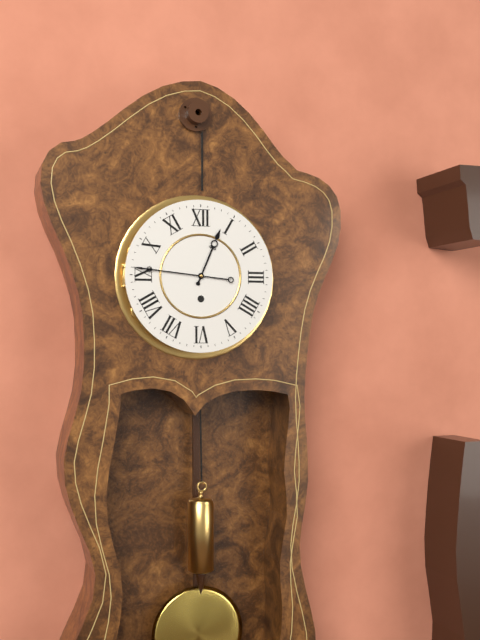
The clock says 12.46
